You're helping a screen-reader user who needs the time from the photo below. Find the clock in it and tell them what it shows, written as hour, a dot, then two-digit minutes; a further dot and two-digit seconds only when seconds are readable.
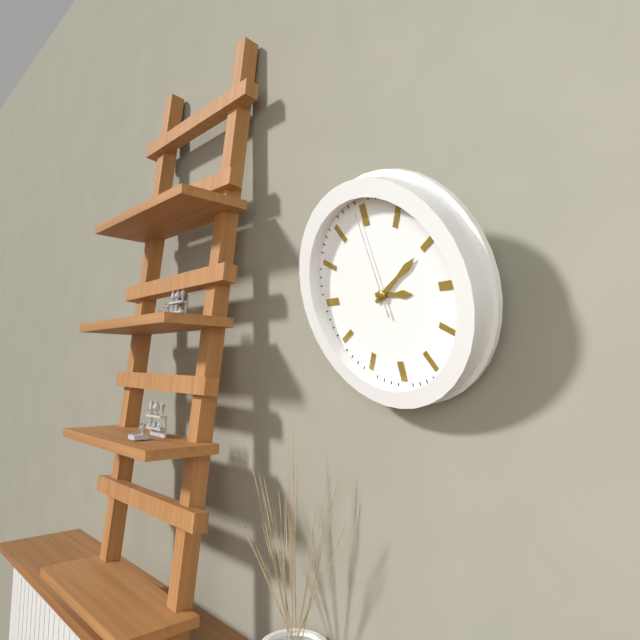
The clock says 3.10.59
